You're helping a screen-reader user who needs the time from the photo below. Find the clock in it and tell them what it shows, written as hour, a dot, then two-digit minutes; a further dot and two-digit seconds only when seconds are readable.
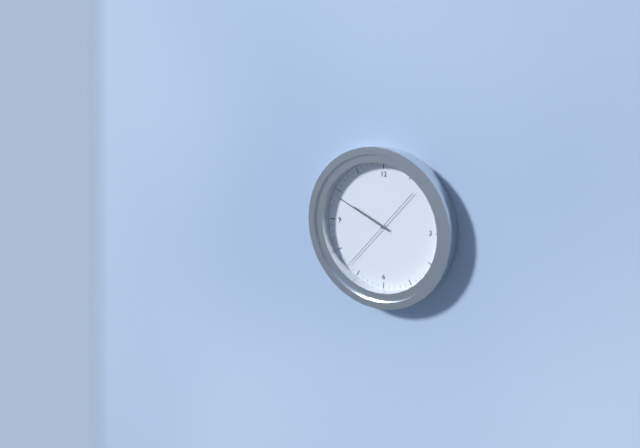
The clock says 9.49.37
